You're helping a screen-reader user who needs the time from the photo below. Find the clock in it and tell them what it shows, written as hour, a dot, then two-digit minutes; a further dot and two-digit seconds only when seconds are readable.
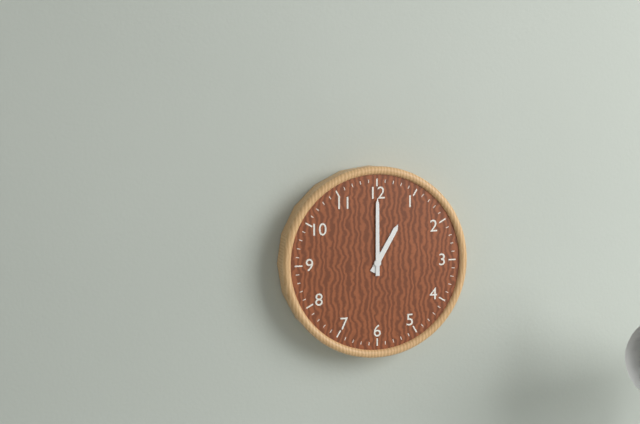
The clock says 1.00
